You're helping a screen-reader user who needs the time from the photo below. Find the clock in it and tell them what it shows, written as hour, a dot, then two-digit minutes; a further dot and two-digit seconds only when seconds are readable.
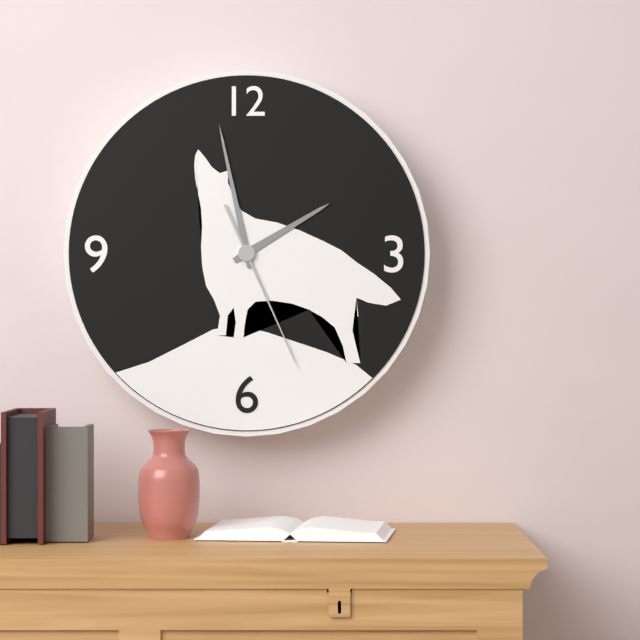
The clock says 1.58.26
